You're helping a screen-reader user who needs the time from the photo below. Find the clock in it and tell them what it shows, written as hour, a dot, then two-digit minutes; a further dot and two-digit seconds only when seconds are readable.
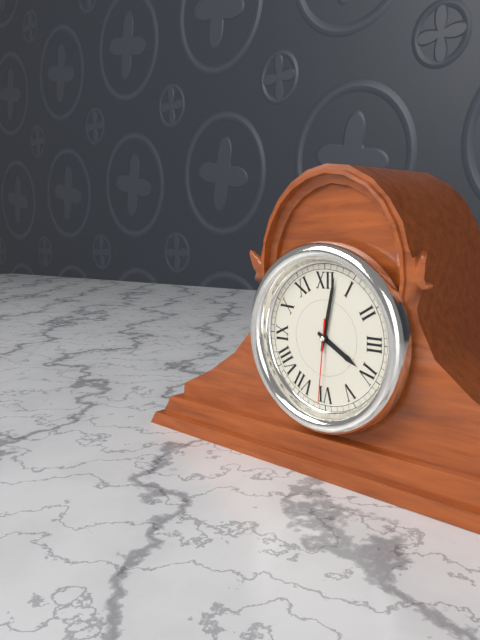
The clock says 4.02.31
